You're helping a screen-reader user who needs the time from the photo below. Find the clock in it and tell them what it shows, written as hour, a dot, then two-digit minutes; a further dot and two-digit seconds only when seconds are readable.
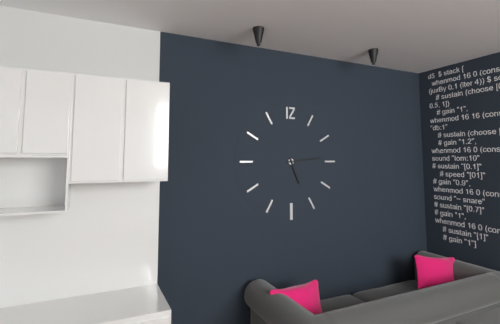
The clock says 5.14
